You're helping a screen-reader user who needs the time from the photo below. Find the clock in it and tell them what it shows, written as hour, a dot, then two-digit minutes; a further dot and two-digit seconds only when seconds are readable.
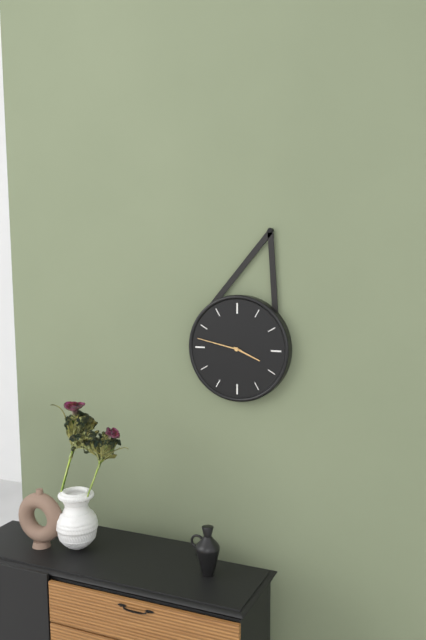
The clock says 3.47
